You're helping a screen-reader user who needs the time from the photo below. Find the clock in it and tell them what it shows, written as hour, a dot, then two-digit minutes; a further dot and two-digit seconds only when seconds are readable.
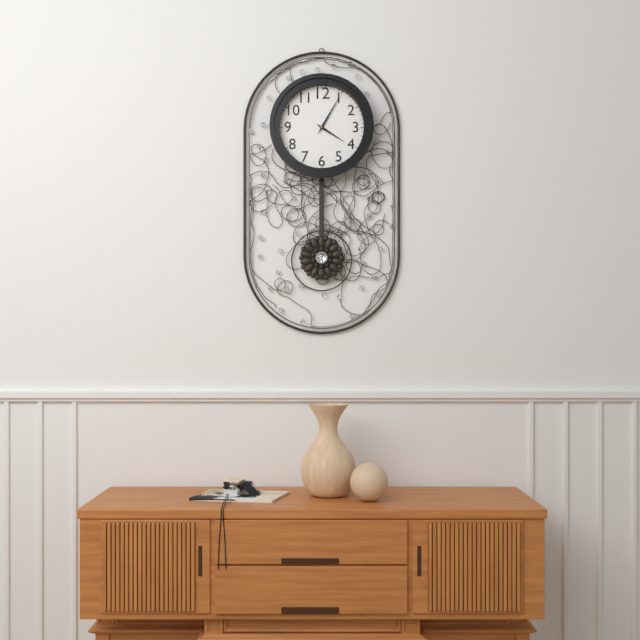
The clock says 4.05
